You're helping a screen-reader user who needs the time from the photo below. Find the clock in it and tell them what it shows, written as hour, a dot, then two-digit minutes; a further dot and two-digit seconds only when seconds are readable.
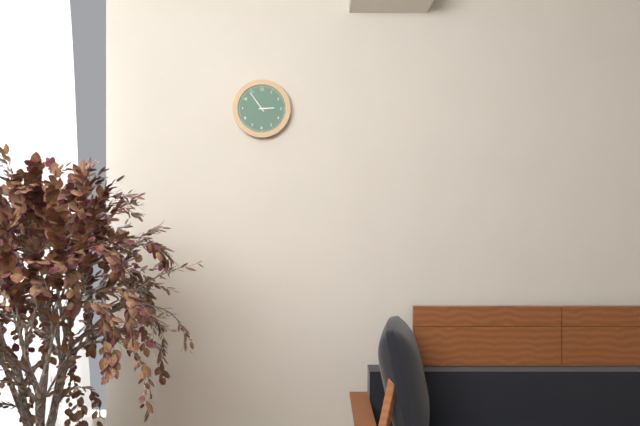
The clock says 2.54
